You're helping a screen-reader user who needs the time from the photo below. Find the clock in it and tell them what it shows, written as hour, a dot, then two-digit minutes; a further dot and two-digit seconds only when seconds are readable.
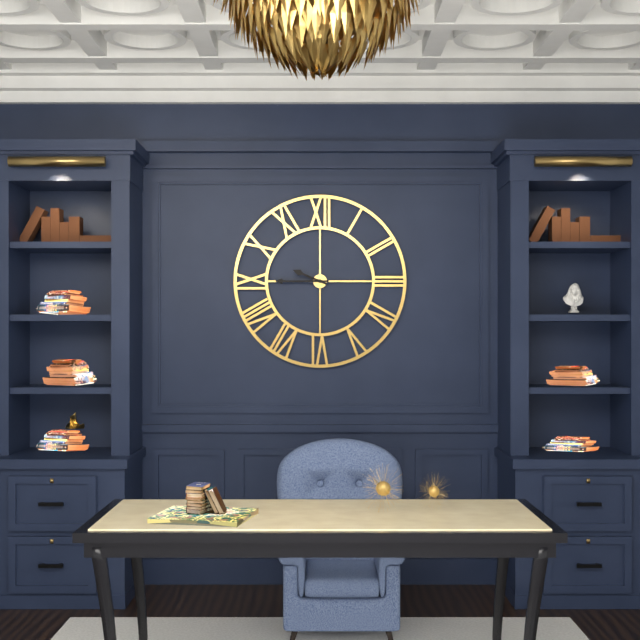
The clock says 9.45
